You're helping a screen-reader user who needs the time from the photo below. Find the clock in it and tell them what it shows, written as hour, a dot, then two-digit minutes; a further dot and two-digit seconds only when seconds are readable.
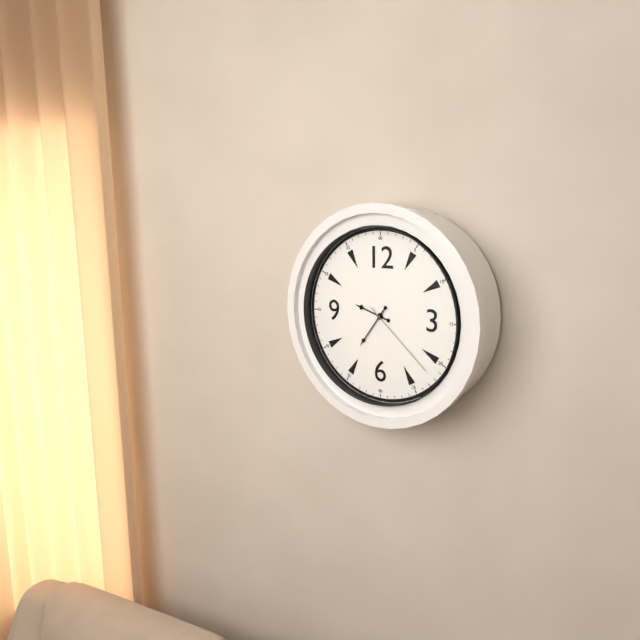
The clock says 9.36.22
